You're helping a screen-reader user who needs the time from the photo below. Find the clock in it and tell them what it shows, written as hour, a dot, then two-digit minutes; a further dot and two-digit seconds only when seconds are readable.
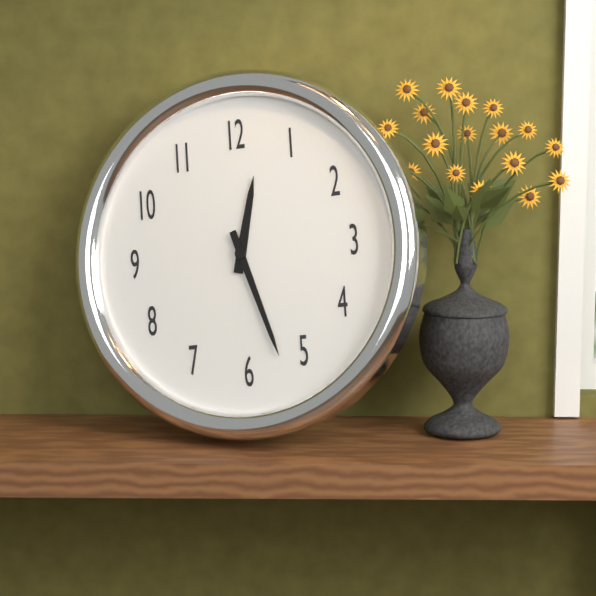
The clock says 12.27
